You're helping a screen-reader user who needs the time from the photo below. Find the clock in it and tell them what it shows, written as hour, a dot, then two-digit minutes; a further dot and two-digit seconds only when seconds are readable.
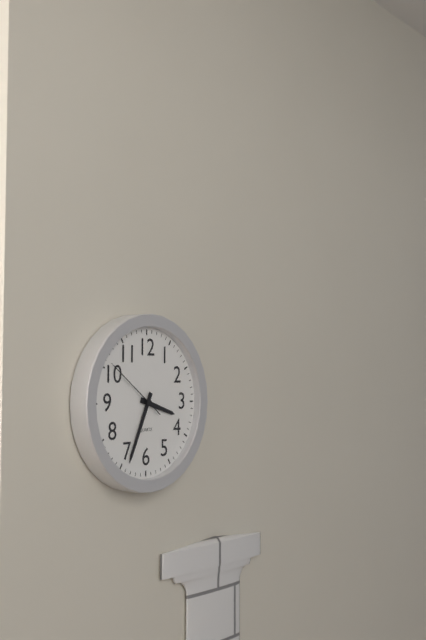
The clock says 3.34.51
